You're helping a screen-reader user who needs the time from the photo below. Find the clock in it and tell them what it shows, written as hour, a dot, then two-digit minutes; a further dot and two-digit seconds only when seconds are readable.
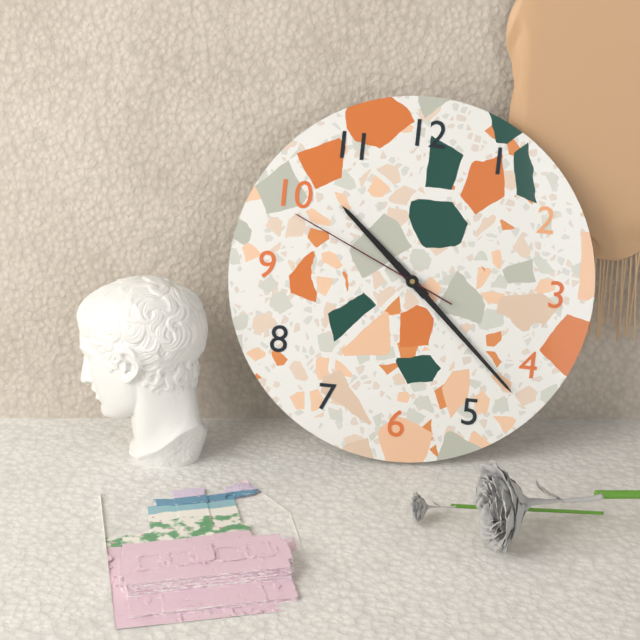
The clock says 10.22.49
